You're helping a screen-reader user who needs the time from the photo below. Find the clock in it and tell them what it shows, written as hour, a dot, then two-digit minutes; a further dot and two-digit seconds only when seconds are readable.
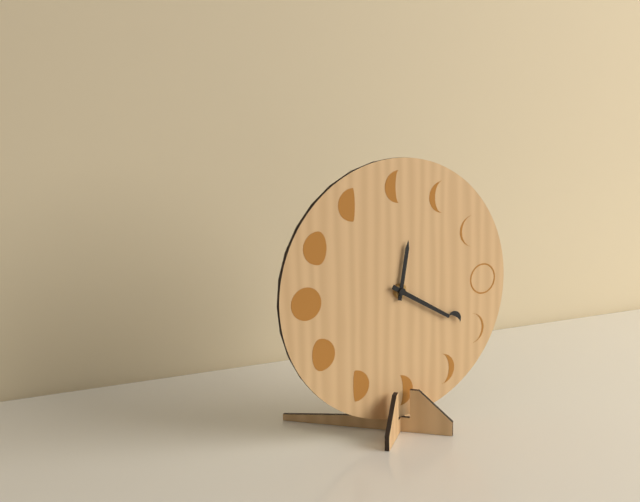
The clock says 12.20
